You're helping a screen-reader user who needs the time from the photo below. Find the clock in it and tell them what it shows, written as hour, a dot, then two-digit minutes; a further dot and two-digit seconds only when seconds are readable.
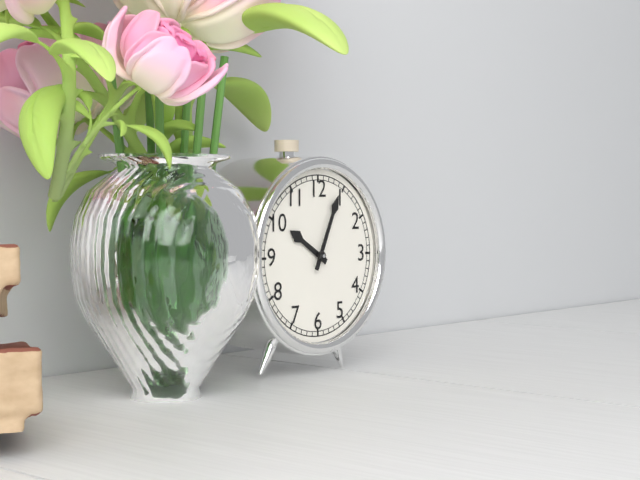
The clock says 10.04
